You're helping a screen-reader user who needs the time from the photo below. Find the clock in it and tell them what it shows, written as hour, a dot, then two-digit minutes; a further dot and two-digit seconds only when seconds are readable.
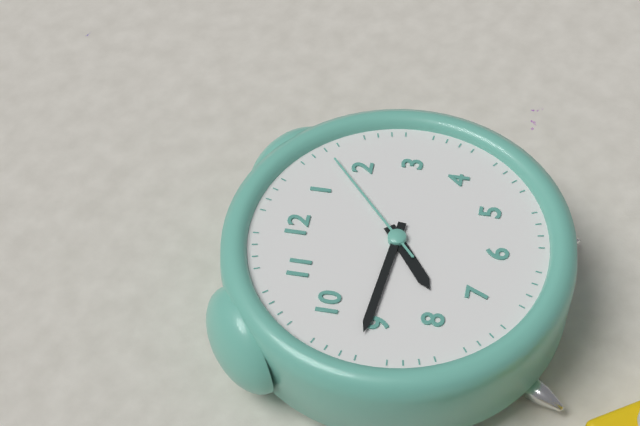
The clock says 7.46.08
